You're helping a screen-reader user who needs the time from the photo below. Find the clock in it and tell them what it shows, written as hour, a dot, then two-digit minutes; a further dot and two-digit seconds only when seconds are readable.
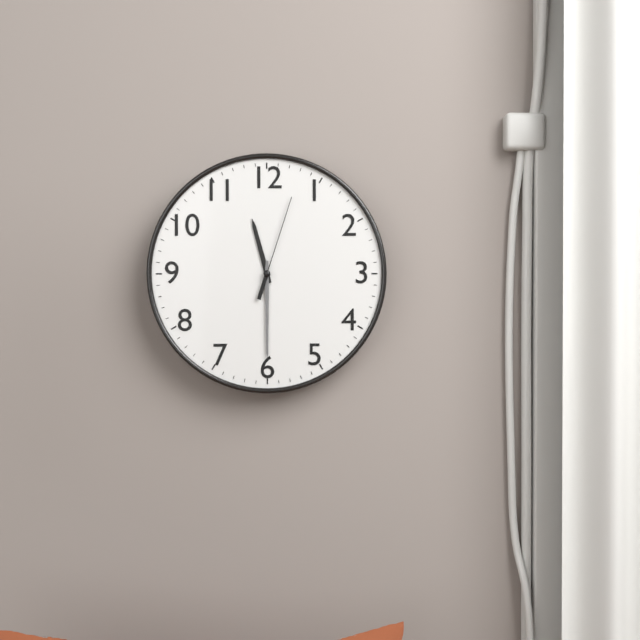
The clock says 11.30.03
